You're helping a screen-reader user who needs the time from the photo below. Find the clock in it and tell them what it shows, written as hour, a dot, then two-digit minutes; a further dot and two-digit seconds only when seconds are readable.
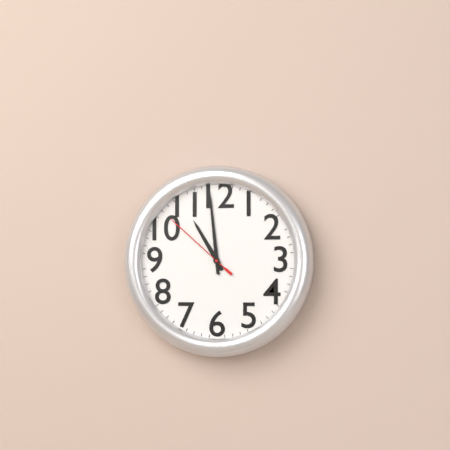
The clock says 10.59.52
